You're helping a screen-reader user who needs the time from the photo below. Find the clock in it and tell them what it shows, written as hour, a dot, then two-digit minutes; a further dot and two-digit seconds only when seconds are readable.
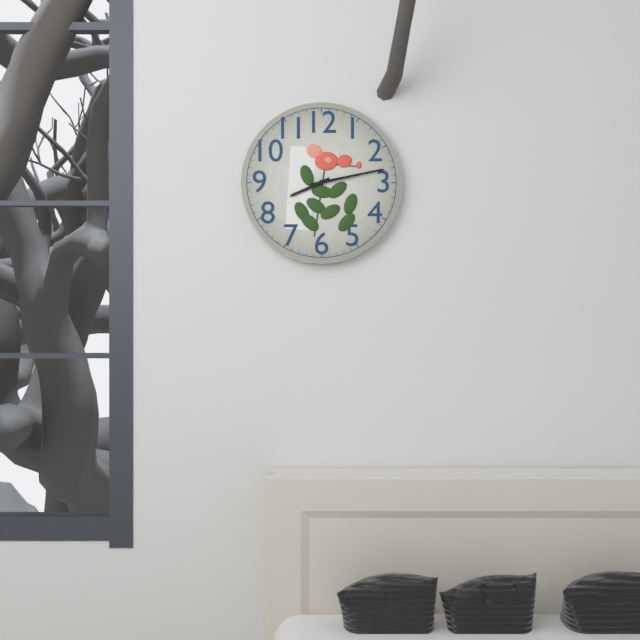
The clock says 8.13
